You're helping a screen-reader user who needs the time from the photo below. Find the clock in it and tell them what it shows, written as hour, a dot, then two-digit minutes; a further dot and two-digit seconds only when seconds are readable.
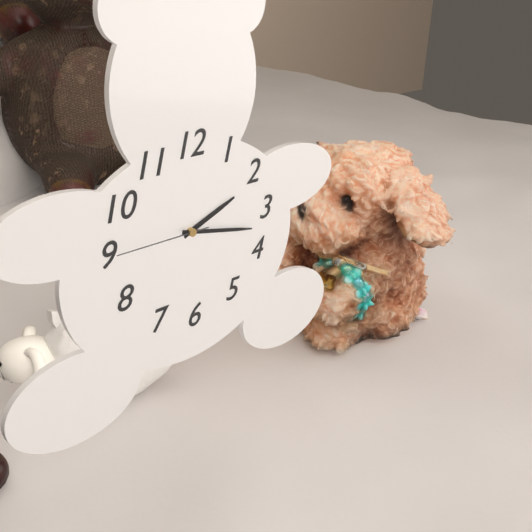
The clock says 2.17.45
